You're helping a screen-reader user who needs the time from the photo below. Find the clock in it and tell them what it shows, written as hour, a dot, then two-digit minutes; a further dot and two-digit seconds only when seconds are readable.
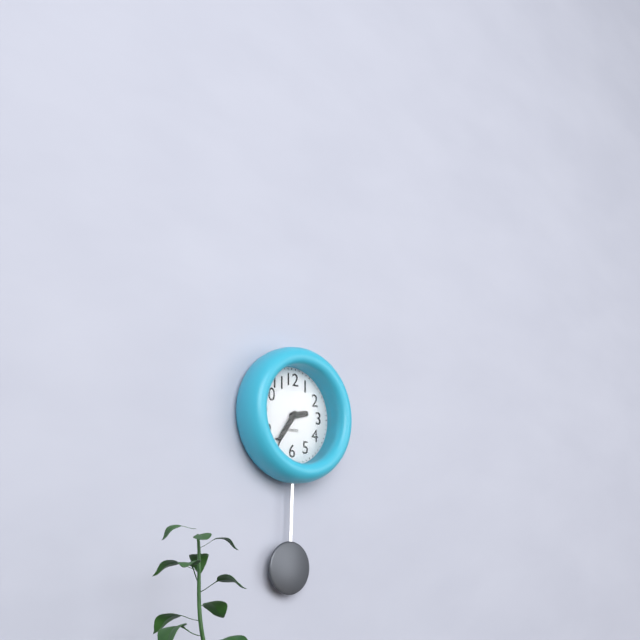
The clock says 2.36
